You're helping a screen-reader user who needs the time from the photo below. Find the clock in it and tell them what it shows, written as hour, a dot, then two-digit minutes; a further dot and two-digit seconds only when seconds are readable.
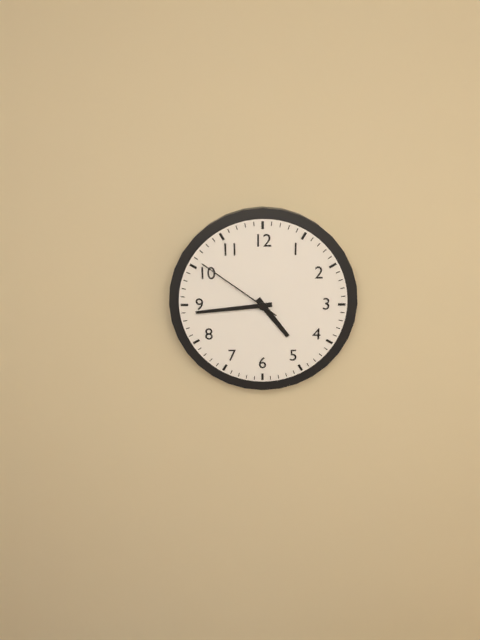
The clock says 4.44.51
